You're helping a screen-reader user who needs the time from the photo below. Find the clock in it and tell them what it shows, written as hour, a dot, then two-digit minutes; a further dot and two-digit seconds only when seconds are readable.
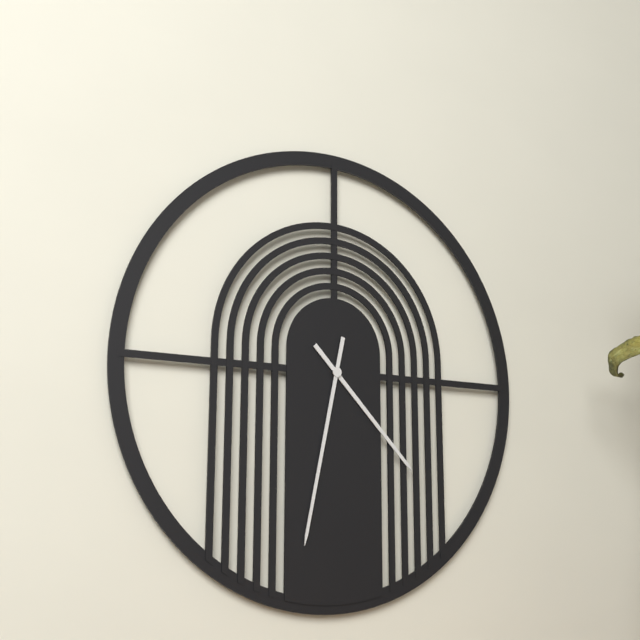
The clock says 4.32
